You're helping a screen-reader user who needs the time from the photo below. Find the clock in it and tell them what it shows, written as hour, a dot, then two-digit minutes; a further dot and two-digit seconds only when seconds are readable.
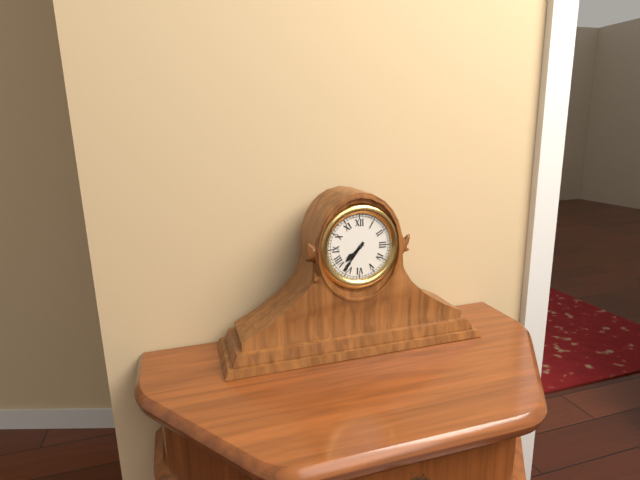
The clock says 7.36
